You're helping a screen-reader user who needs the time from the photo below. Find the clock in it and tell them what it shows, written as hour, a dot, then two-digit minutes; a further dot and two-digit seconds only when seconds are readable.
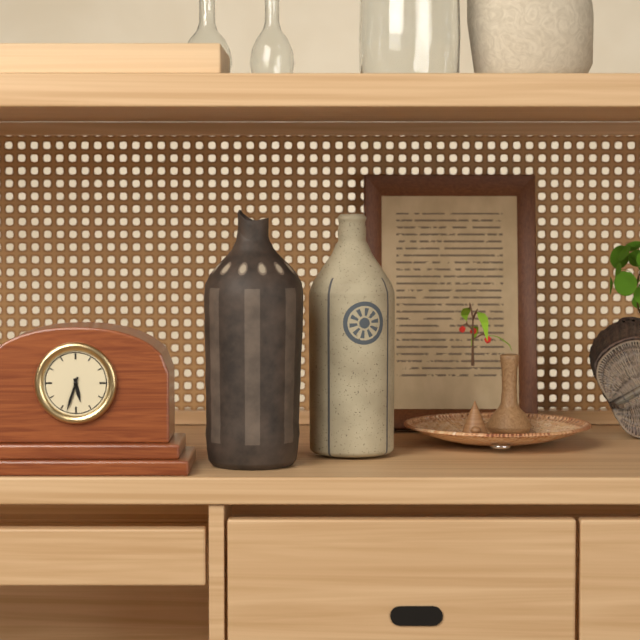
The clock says 5.33
